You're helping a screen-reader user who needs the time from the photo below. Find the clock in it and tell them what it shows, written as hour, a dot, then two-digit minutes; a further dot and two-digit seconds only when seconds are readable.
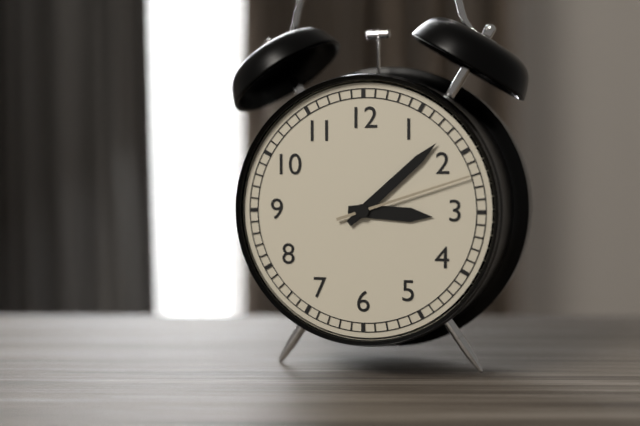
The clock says 3.08.12
